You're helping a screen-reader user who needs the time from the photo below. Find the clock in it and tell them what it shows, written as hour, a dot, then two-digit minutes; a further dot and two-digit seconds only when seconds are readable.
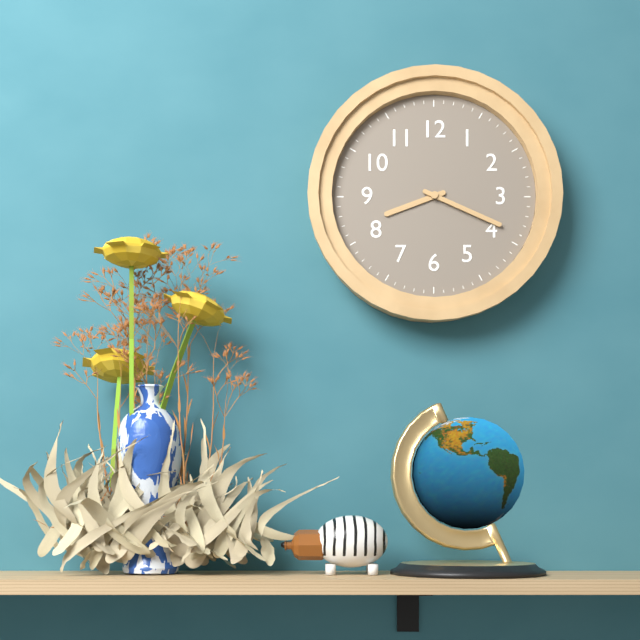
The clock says 8.19
